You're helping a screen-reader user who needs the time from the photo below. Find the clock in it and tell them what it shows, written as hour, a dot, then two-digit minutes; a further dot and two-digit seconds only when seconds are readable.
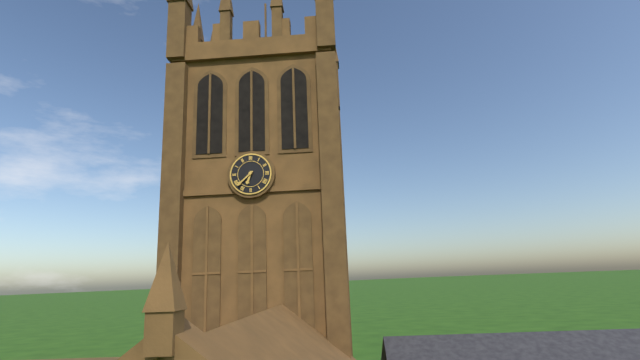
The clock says 6.38
